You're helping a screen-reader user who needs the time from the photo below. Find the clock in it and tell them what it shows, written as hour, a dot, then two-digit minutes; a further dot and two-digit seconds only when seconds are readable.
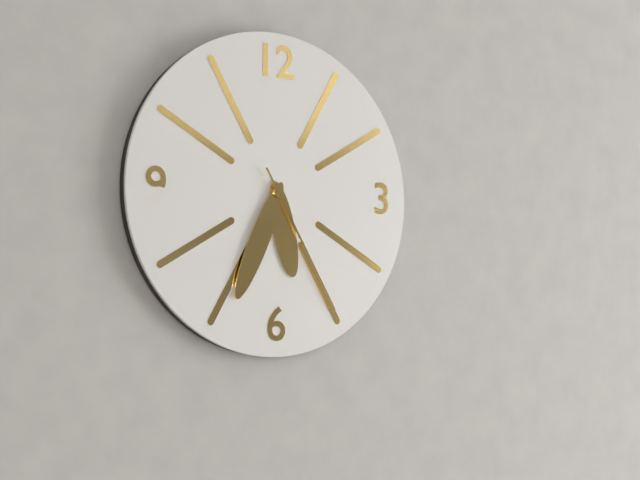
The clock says 5.34.25
